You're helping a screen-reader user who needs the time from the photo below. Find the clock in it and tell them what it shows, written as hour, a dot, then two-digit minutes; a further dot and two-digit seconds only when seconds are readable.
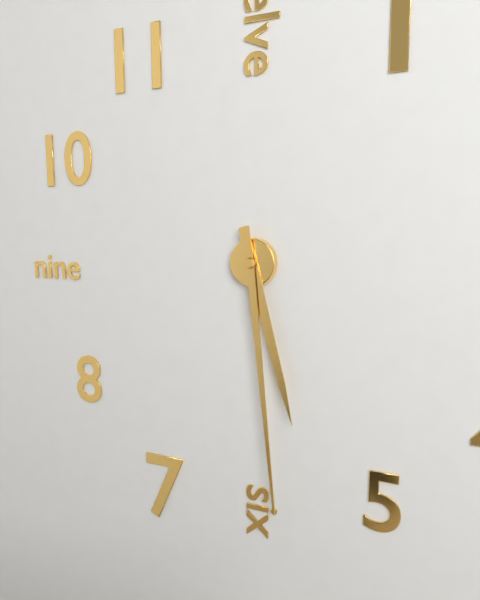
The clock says 5.29
